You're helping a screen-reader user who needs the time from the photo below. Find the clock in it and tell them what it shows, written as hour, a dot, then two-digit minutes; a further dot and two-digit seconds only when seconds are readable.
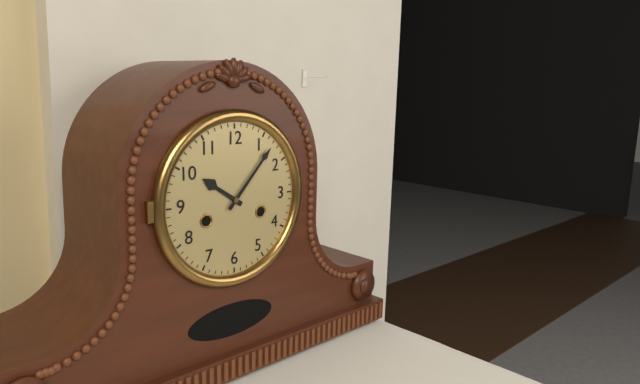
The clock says 10.07
